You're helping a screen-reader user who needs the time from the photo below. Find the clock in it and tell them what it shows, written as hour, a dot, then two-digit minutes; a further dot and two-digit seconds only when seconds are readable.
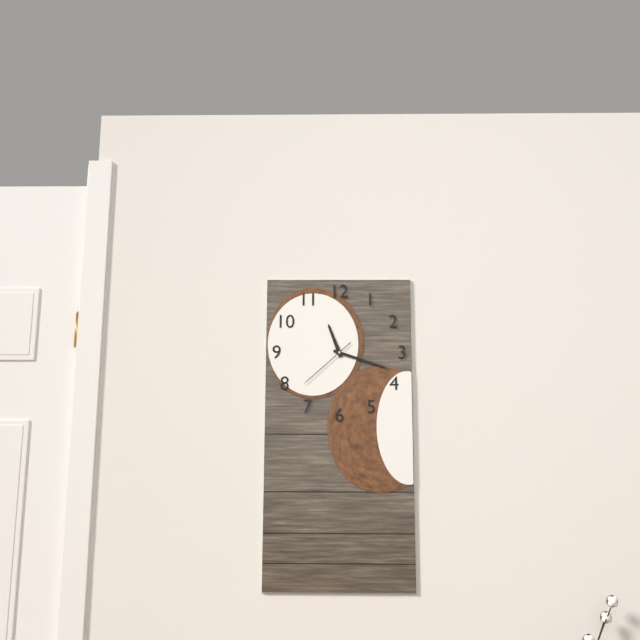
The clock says 11.18.38
